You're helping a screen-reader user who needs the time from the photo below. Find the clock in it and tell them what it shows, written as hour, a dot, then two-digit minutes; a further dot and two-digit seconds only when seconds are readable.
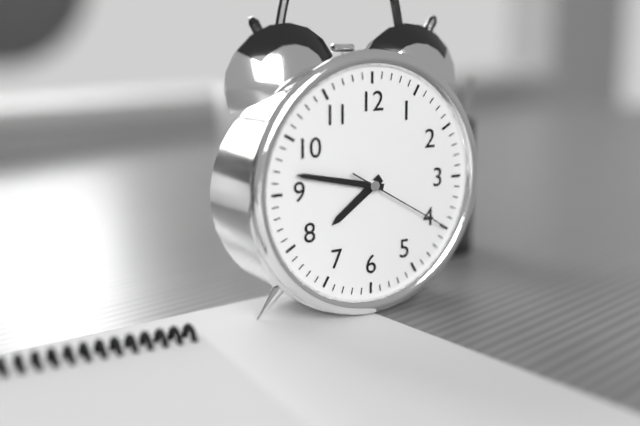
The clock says 7.47.20
